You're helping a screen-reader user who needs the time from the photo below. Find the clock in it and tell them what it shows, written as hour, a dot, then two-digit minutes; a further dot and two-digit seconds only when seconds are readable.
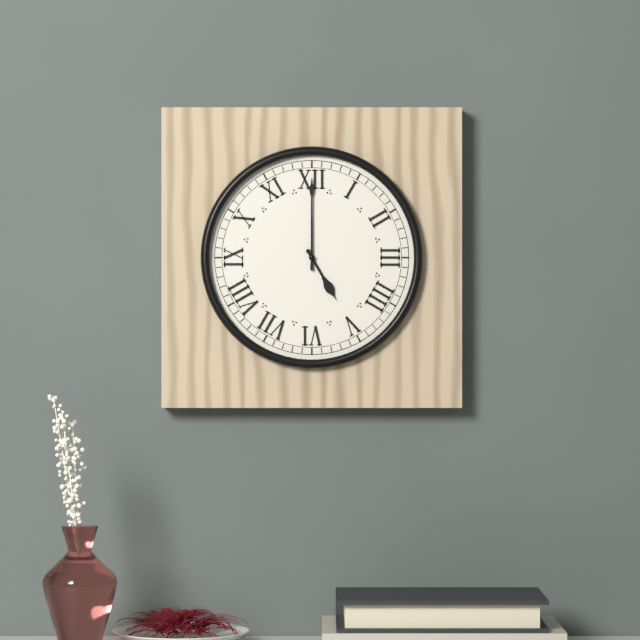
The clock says 5.00
